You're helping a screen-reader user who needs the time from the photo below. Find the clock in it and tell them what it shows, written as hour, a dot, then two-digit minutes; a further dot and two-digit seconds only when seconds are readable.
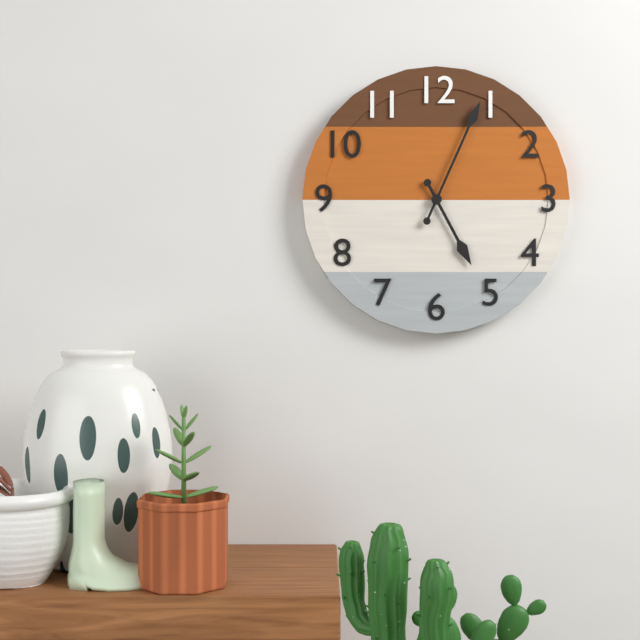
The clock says 5.04
